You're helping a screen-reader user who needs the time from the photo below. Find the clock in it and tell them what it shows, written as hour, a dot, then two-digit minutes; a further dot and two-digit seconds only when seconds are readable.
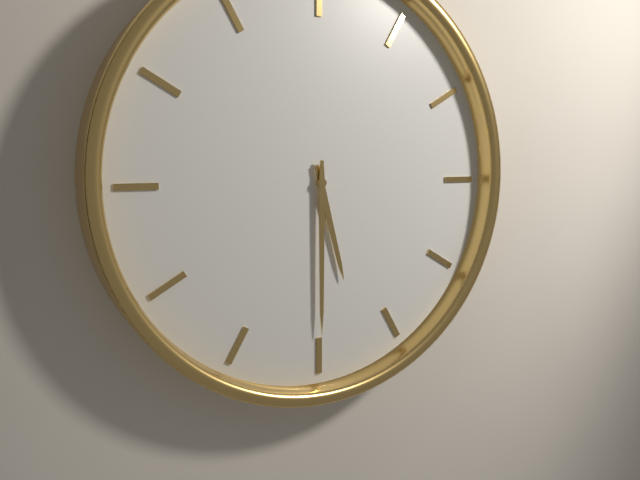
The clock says 5.30
